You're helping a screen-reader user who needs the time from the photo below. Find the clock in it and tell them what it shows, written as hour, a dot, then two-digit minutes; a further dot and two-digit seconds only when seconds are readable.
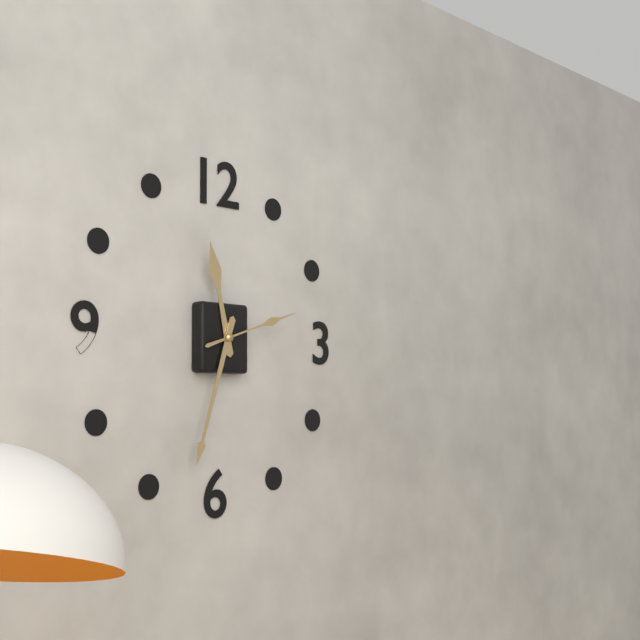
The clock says 11.33.12
